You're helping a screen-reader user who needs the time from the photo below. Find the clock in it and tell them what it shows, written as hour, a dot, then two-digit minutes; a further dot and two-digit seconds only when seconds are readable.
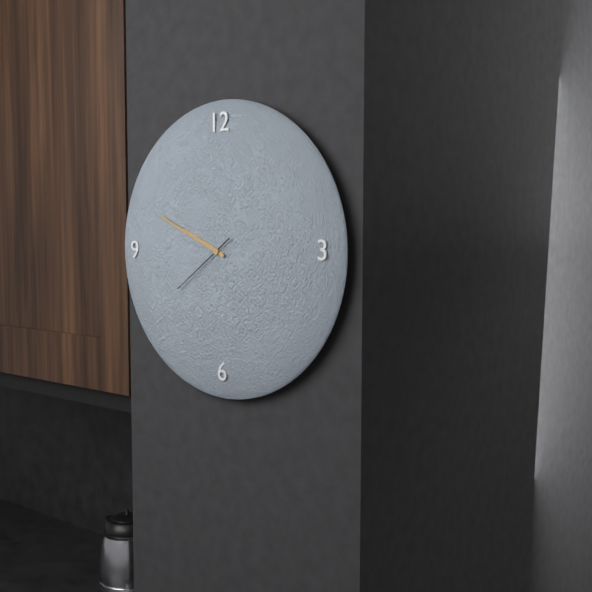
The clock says 9.49.39
